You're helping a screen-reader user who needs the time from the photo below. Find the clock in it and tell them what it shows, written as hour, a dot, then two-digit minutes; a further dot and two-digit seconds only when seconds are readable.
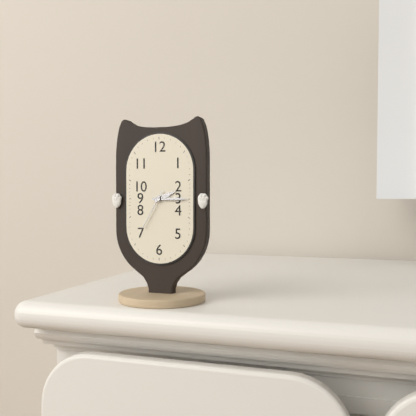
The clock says 2.15
